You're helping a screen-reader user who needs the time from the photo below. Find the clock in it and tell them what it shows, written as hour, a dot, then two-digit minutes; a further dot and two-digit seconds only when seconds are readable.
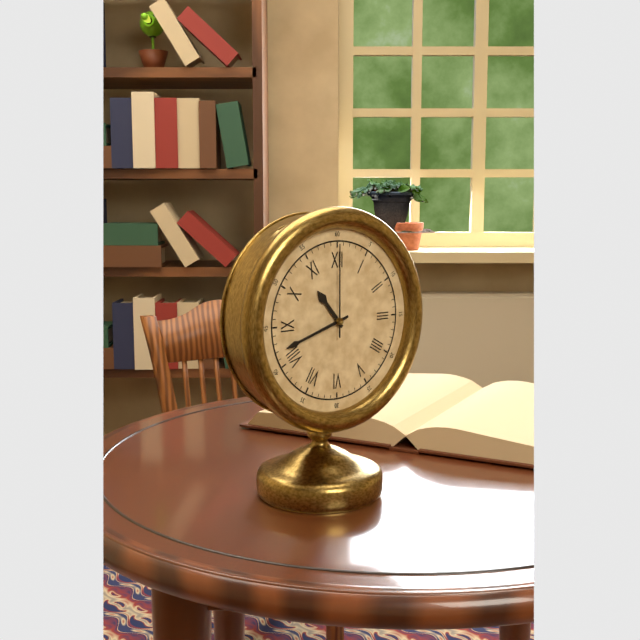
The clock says 10.42.00
